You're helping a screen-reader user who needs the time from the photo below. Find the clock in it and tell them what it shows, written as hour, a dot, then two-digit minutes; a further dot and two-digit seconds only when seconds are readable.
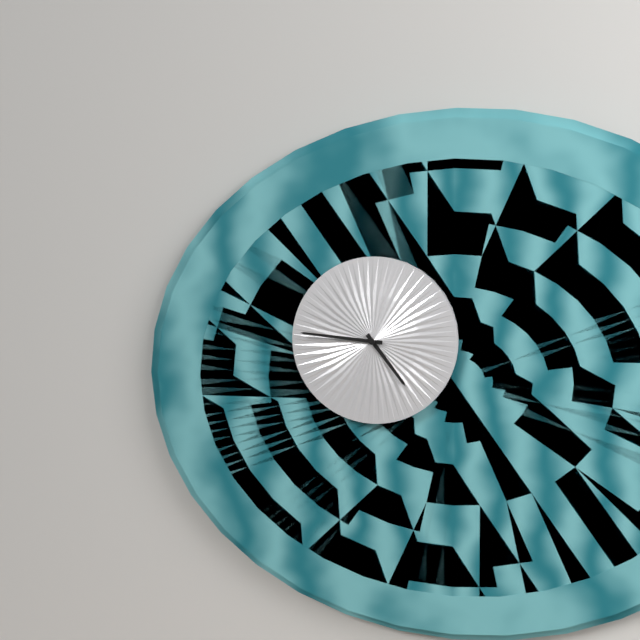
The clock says 4.46
